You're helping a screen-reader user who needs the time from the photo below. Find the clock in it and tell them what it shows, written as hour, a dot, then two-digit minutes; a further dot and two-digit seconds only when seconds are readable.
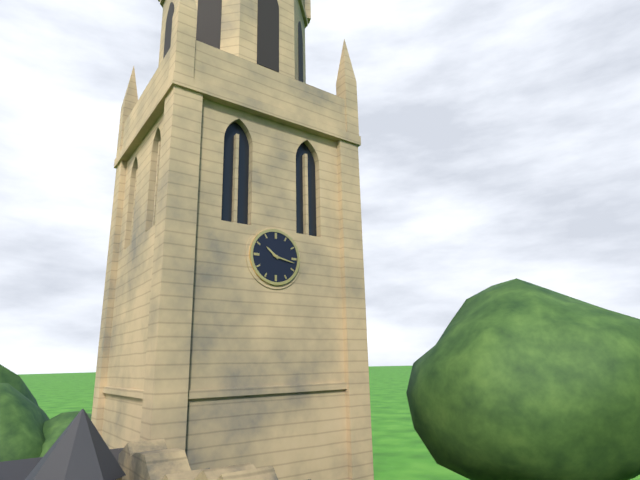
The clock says 10.17
